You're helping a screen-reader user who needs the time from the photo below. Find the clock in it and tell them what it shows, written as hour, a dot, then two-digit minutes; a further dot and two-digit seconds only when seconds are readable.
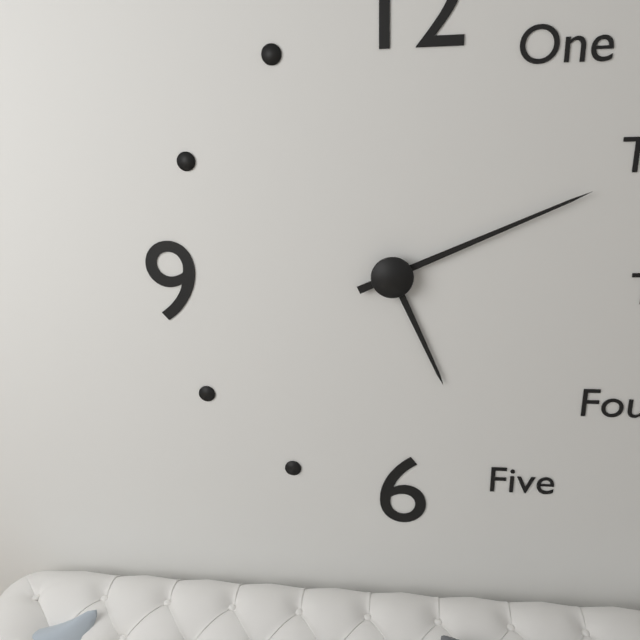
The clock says 5.11
